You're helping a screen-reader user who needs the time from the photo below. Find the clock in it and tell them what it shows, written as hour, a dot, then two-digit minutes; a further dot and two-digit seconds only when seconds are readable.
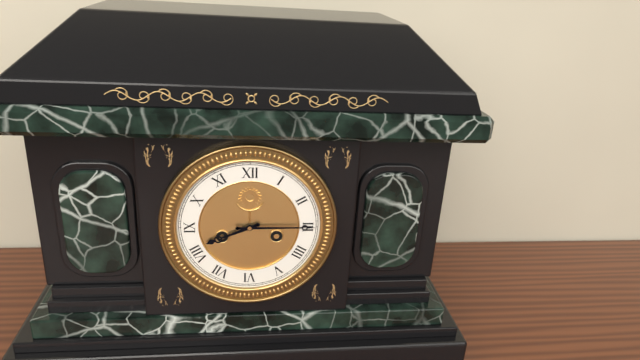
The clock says 8.15
